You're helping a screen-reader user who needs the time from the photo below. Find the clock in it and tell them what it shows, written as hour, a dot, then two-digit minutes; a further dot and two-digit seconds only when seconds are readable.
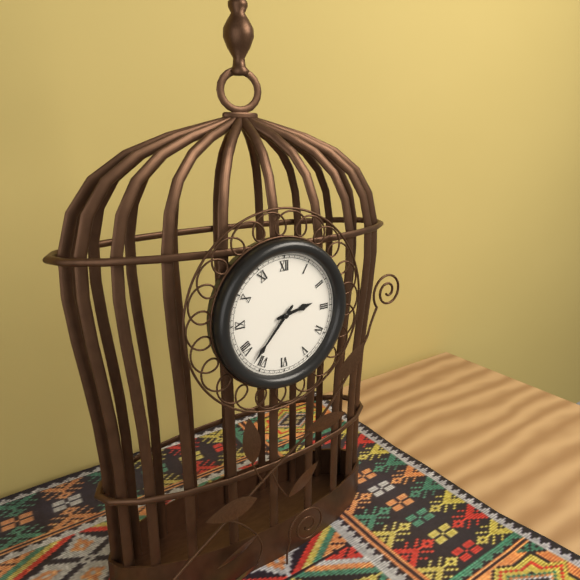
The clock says 2.37
